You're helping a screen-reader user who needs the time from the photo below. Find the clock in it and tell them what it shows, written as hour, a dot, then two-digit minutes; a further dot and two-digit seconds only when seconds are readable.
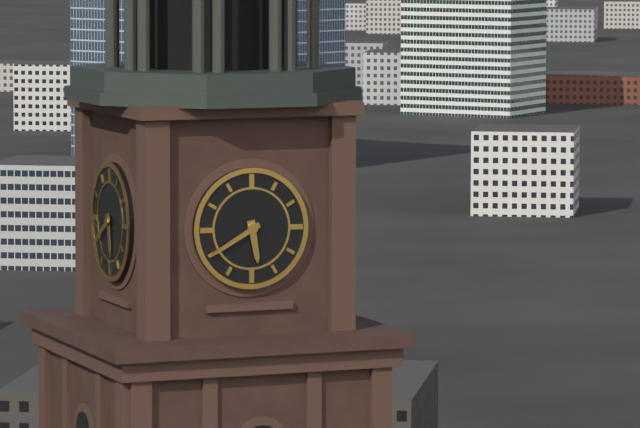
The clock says 5.40
